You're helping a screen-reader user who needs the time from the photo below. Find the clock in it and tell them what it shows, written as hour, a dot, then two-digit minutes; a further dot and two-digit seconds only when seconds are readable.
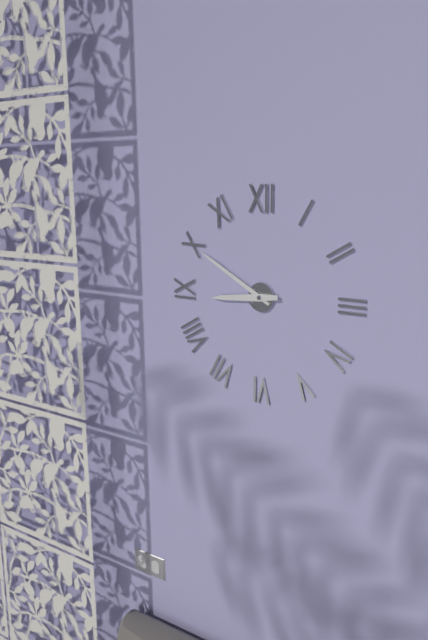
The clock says 8.50
